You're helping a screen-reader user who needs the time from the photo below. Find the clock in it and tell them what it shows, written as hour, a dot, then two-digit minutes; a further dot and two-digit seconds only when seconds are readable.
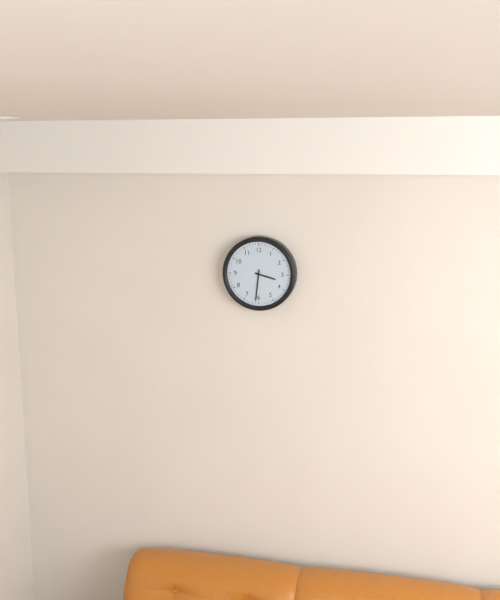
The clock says 3.31
